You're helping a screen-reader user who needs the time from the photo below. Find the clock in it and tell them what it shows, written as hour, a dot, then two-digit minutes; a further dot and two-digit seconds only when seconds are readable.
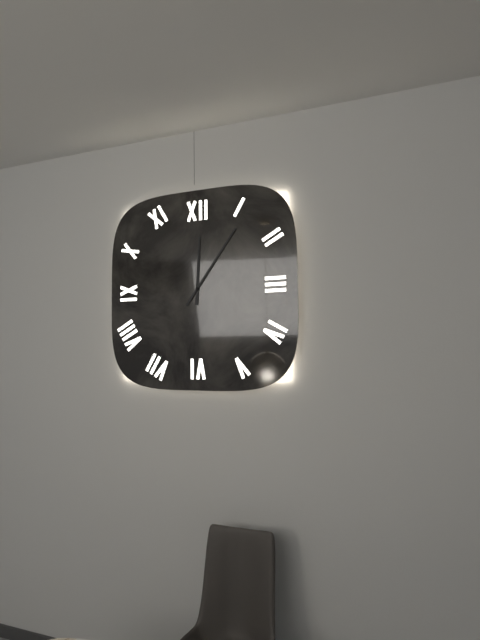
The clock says 12.06
